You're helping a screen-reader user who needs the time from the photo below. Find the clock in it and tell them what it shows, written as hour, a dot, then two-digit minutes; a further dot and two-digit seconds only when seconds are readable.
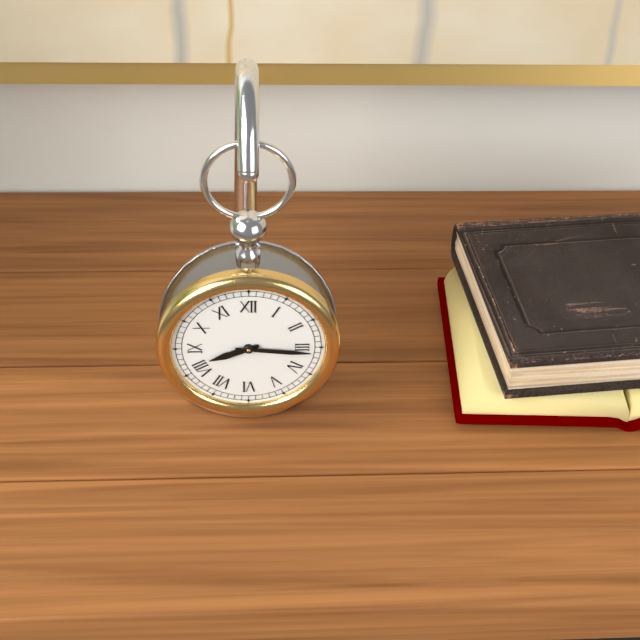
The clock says 8.16
